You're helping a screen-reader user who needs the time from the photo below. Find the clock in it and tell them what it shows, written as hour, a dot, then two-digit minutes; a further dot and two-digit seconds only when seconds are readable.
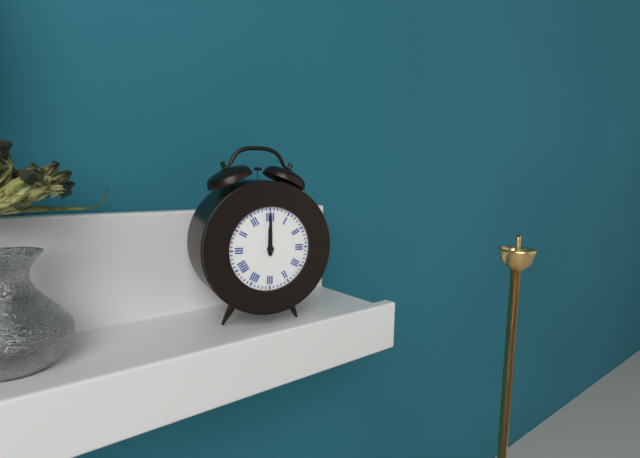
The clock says 12.00
